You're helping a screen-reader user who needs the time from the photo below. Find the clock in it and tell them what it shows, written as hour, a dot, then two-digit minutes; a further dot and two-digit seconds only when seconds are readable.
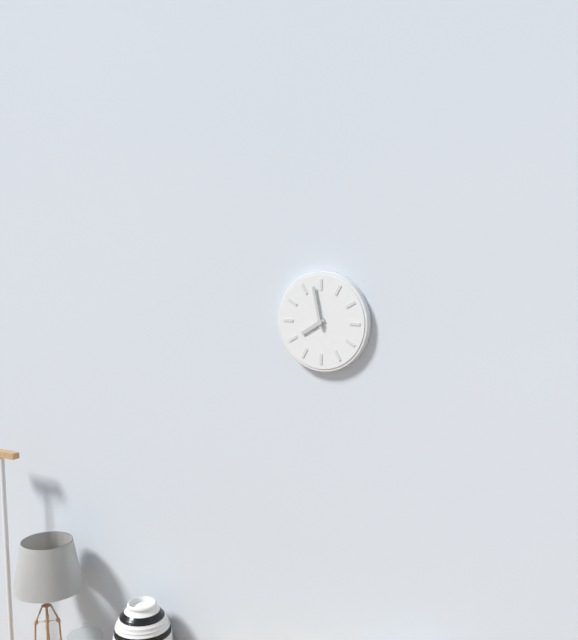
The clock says 7.58
